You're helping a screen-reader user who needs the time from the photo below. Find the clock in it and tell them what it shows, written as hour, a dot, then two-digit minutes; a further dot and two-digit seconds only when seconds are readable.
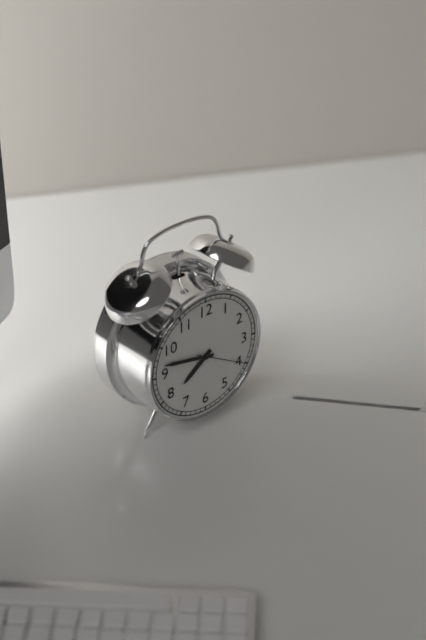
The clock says 7.47.20
